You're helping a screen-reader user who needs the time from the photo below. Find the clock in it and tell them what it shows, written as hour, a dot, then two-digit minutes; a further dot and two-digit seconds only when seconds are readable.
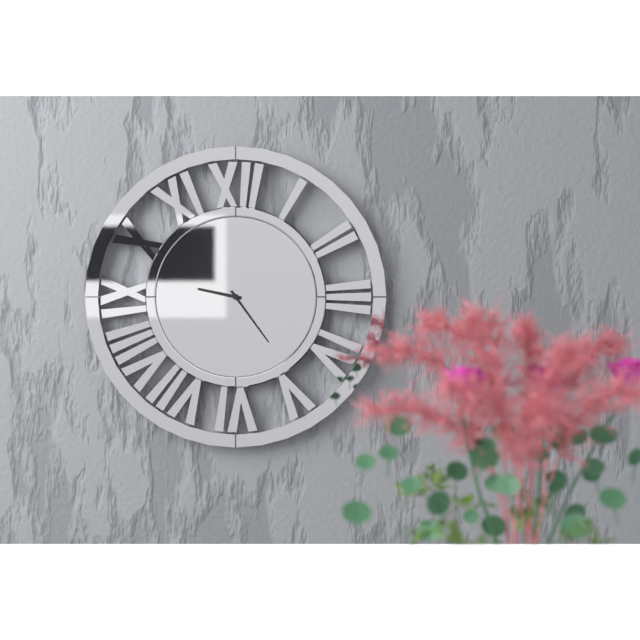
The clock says 9.24
